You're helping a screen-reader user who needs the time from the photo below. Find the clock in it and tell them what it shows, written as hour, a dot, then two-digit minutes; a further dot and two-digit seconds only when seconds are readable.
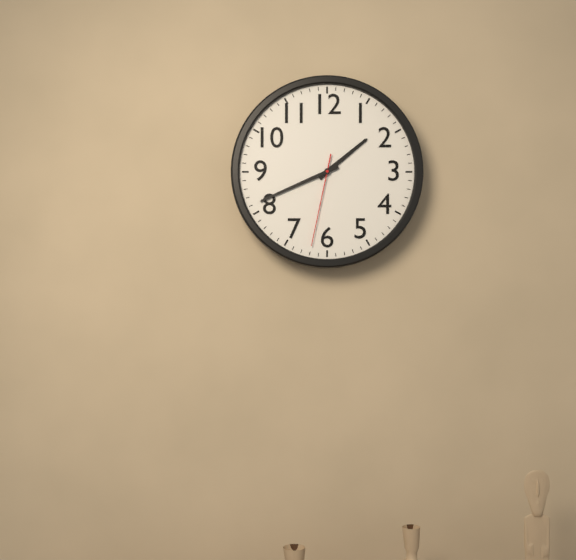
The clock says 1.41.32
